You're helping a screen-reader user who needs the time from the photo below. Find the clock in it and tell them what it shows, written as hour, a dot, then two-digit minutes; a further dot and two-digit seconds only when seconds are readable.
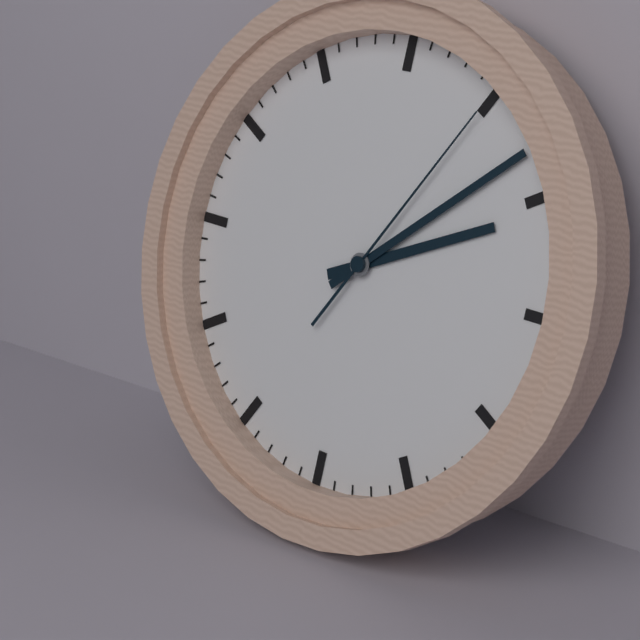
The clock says 2.08.05
